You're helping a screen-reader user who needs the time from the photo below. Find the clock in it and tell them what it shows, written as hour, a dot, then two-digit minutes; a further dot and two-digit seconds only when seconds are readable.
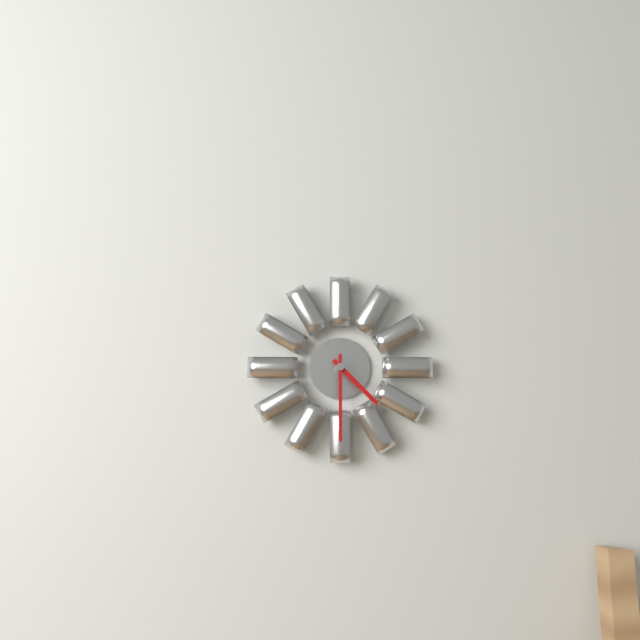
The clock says 4.30
